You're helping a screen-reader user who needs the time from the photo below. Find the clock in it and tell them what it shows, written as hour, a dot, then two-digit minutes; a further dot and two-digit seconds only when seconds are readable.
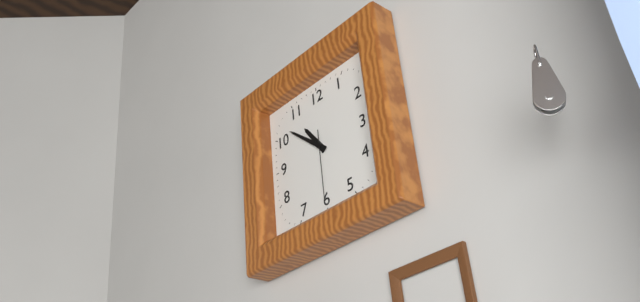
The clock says 10.52.30
